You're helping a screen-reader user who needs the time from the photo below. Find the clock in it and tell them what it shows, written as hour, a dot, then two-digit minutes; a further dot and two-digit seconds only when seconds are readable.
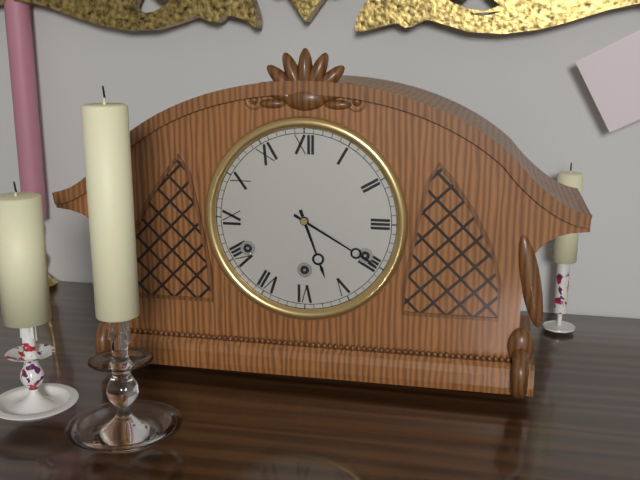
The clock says 5.20
